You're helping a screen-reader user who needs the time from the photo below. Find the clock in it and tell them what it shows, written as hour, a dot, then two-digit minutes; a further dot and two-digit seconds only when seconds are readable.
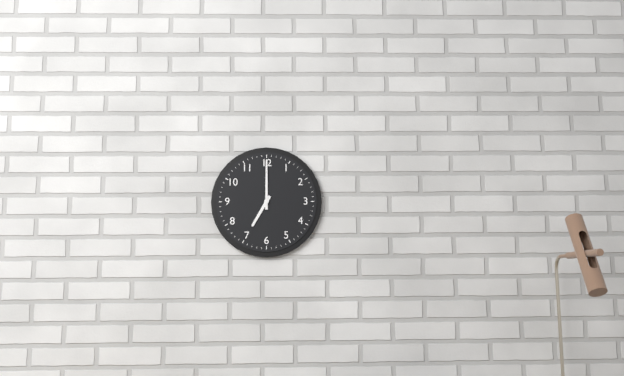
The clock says 7.00
